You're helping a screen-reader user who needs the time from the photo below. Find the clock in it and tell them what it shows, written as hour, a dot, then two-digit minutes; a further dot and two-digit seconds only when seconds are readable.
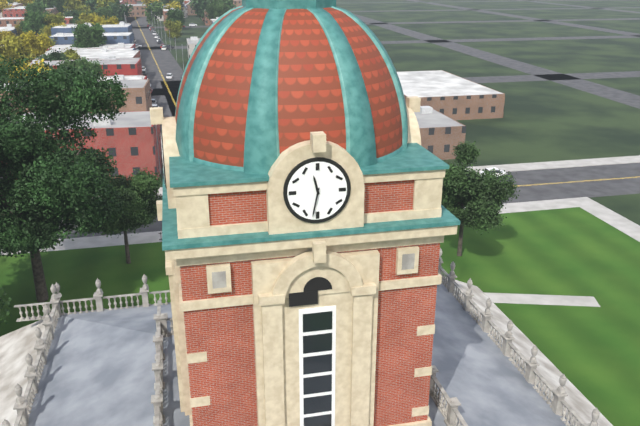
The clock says 11.32
